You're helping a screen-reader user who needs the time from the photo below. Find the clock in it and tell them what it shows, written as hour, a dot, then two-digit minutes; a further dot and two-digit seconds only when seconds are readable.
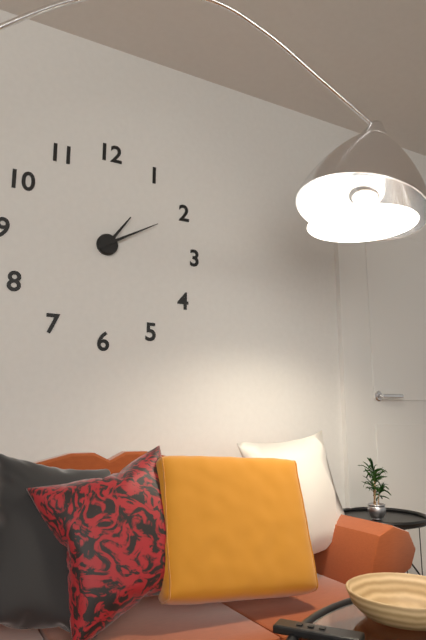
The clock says 1.10
